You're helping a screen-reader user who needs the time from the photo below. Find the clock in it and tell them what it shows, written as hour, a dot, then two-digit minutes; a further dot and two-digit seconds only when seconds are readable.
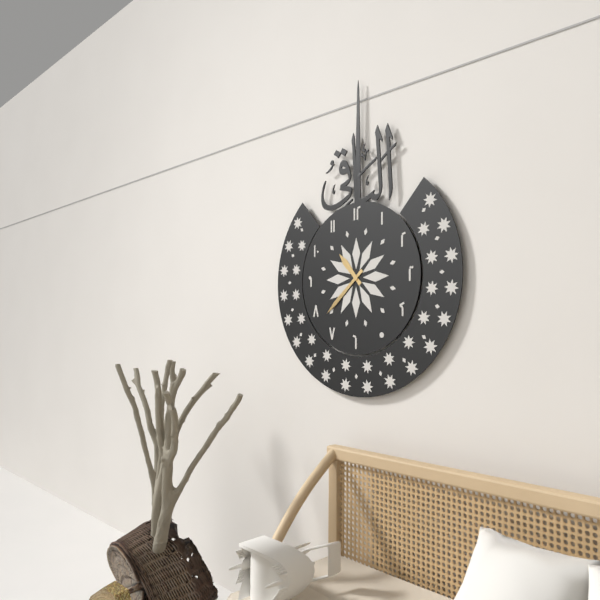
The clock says 10.38
